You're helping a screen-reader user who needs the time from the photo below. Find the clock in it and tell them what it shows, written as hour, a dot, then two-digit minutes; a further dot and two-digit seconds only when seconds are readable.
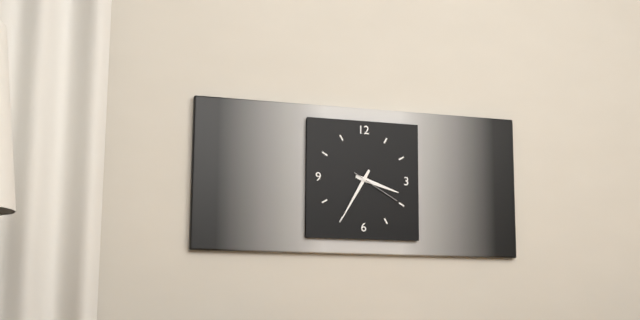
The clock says 3.35
